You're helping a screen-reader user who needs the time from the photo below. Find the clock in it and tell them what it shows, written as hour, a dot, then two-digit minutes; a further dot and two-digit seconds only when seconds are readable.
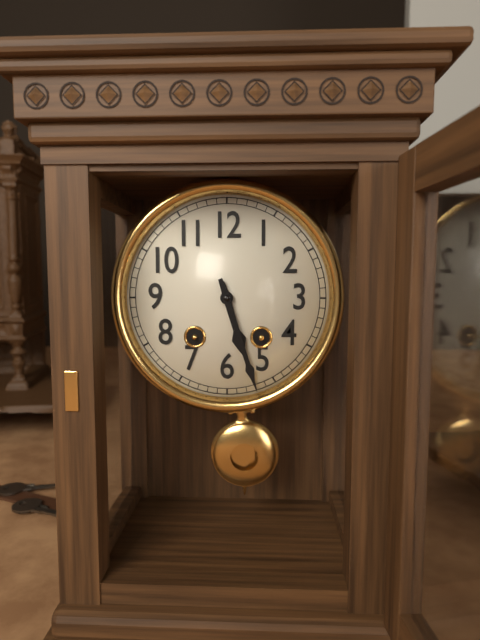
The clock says 5.27
